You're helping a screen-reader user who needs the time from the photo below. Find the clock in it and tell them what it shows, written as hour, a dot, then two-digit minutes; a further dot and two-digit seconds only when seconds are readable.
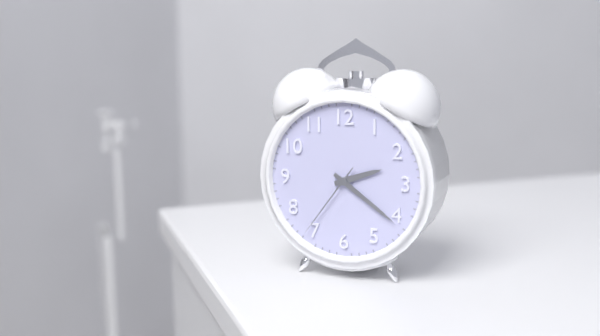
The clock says 2.21.36
